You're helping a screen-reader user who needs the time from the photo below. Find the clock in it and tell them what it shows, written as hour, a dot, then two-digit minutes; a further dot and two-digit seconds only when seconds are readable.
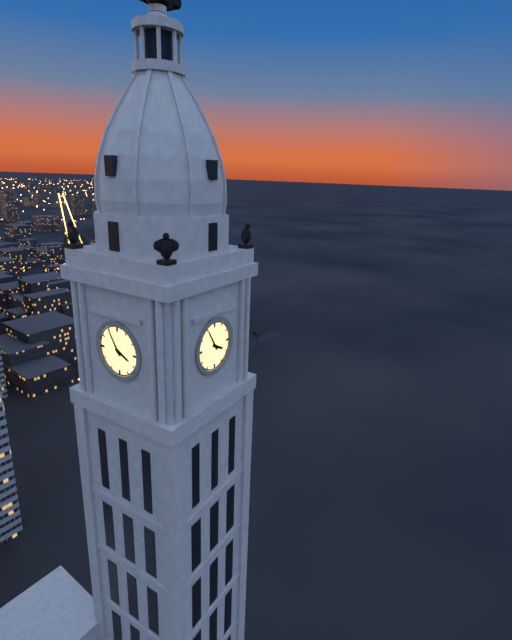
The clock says 3.55
